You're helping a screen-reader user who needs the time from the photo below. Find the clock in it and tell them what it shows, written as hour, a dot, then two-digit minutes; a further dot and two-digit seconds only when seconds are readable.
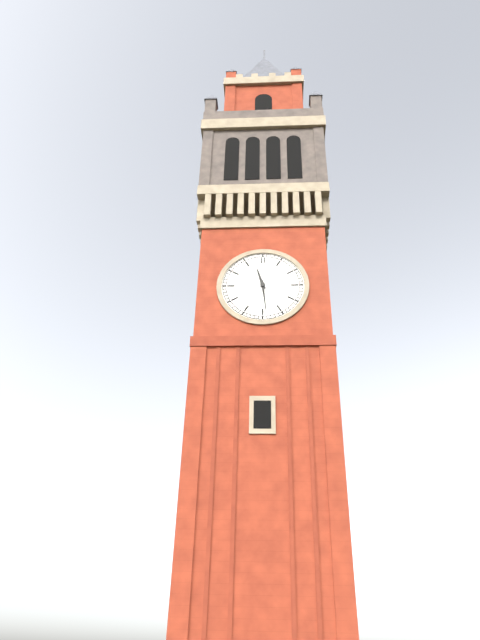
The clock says 11.29
